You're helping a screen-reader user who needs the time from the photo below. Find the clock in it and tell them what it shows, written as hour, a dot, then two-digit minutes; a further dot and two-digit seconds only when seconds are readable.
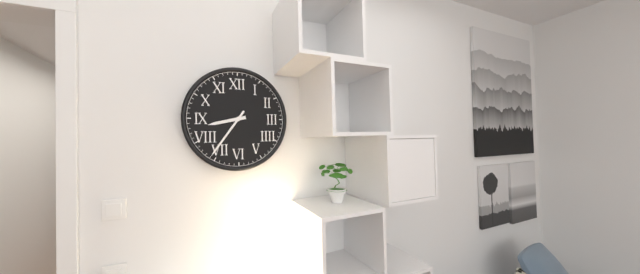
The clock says 8.36
